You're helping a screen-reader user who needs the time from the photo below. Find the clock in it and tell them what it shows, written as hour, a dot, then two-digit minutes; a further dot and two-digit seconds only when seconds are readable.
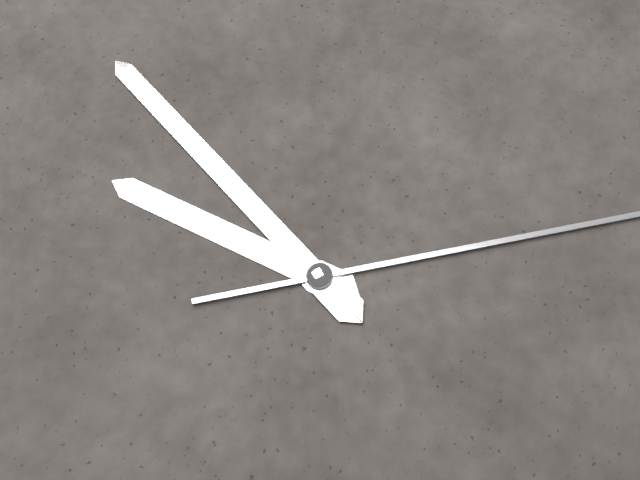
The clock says 12.04
